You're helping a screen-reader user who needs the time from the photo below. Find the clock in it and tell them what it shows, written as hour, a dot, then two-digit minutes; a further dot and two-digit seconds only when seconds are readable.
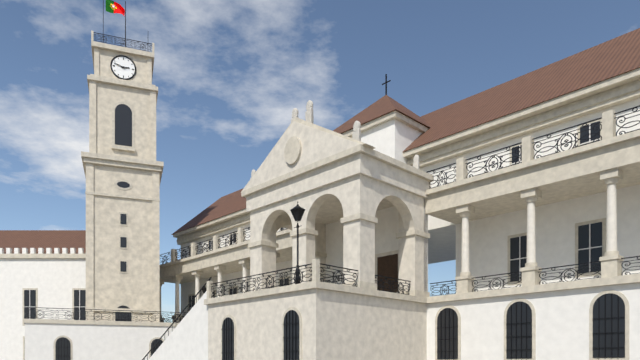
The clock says 2.48
